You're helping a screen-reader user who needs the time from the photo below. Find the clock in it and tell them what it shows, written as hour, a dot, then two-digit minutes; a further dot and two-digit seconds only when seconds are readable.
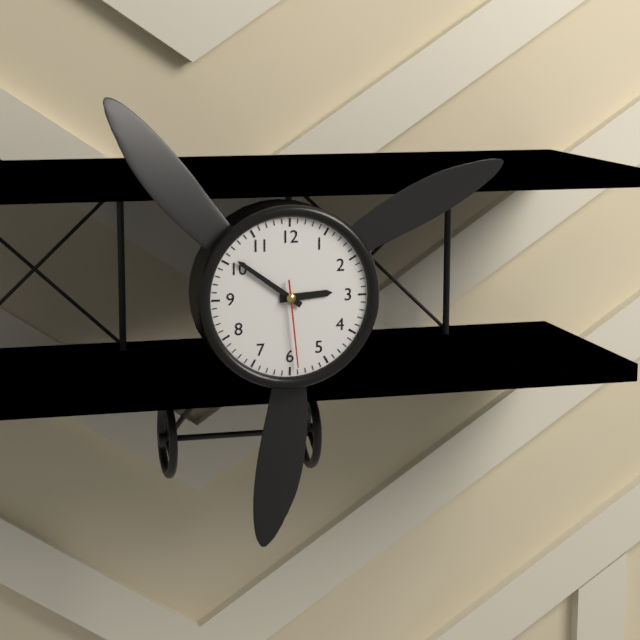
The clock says 2.51.29
